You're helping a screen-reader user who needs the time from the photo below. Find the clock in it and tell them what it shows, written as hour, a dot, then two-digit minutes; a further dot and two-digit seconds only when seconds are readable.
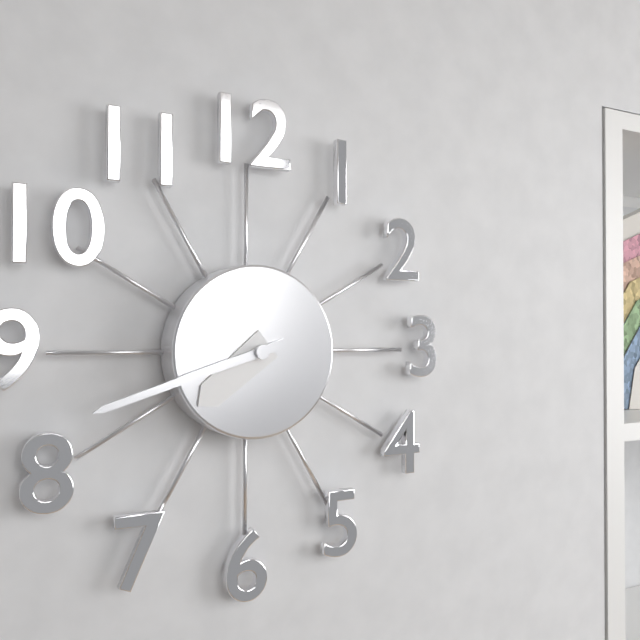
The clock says 7.42
